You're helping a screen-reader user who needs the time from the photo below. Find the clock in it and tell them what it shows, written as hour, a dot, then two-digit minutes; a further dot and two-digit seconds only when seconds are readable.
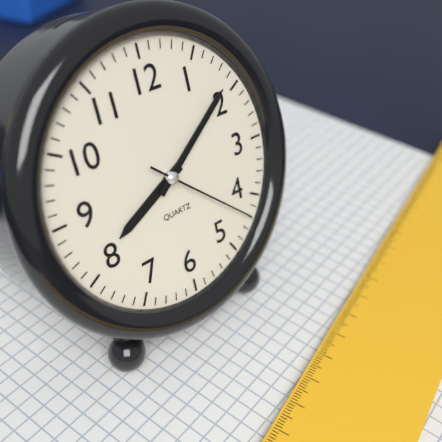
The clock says 8.09.22
